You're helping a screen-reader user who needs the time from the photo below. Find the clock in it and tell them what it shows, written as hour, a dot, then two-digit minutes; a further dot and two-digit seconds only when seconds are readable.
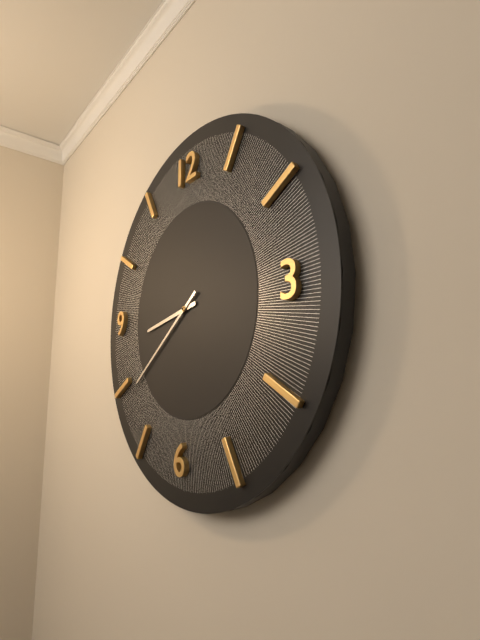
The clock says 8.39
